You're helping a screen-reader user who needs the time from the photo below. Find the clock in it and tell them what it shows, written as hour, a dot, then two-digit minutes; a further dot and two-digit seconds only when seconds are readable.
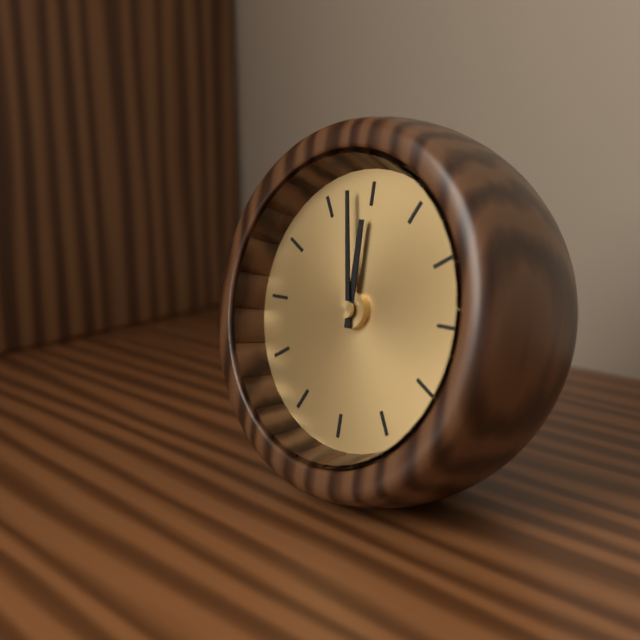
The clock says 11.58
